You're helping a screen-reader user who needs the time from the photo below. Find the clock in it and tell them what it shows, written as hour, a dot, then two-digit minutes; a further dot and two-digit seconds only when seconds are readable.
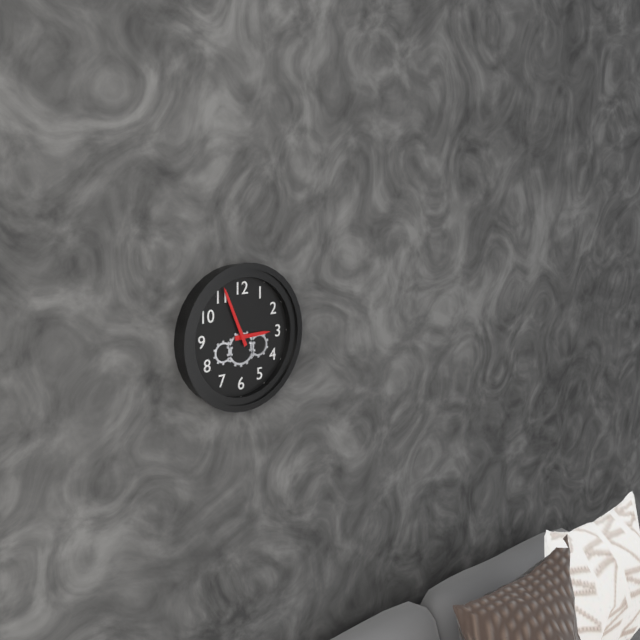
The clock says 2.56
